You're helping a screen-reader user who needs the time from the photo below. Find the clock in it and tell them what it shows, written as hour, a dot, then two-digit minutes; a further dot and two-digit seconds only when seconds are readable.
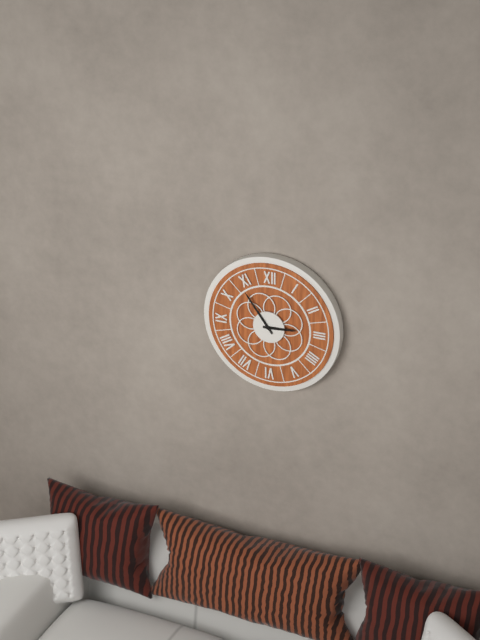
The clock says 2.54
